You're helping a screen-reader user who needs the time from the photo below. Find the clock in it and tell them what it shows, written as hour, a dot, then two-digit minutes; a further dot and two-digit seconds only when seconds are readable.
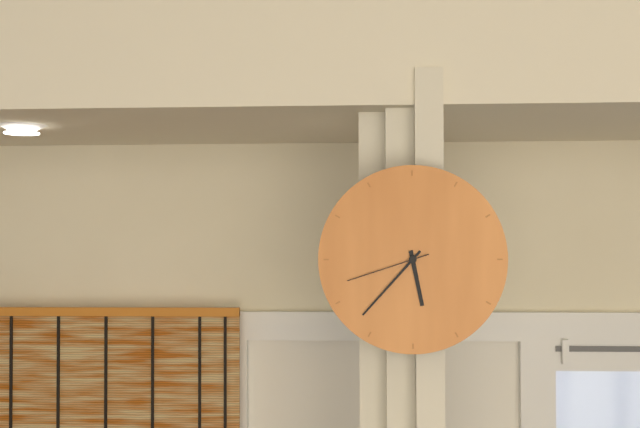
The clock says 5.37.42
